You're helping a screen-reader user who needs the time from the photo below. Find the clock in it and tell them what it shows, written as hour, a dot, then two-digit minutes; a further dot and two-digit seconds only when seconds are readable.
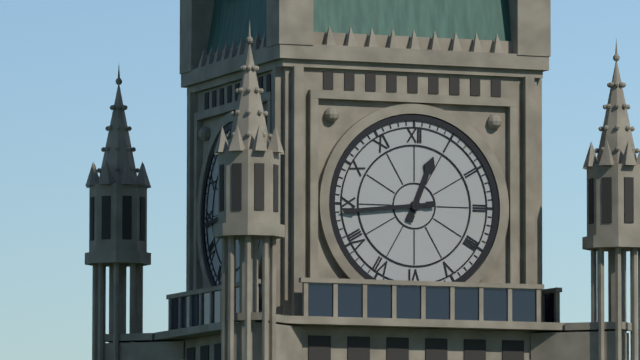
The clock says 12.44
